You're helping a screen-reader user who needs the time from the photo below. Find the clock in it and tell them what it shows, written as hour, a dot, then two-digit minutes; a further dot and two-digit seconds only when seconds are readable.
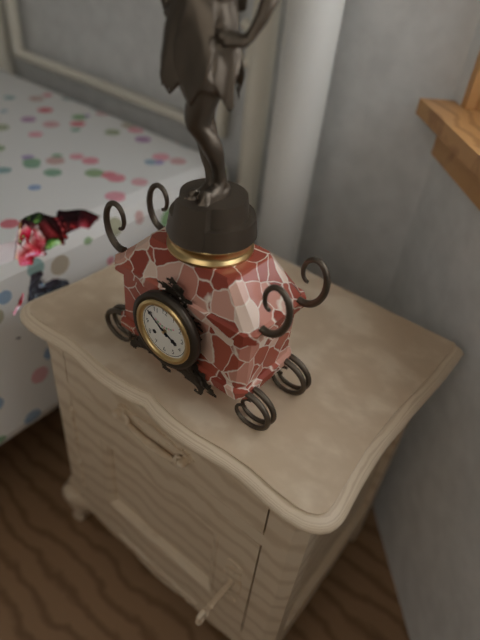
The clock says 3.51
